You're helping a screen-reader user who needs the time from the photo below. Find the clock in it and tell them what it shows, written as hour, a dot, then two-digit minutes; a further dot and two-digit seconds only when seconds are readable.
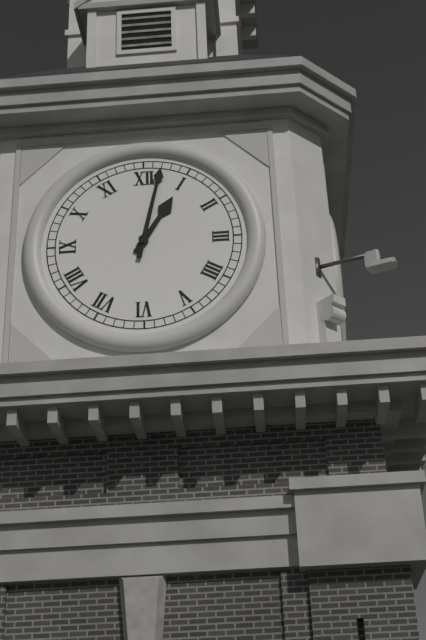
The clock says 1.02
